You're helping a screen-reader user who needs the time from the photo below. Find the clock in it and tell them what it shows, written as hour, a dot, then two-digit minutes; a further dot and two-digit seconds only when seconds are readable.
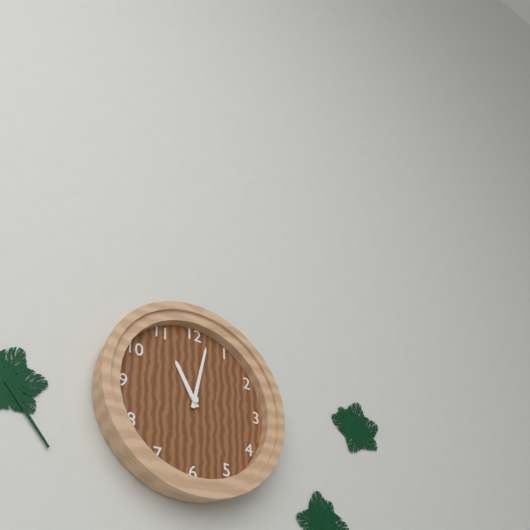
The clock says 11.02
